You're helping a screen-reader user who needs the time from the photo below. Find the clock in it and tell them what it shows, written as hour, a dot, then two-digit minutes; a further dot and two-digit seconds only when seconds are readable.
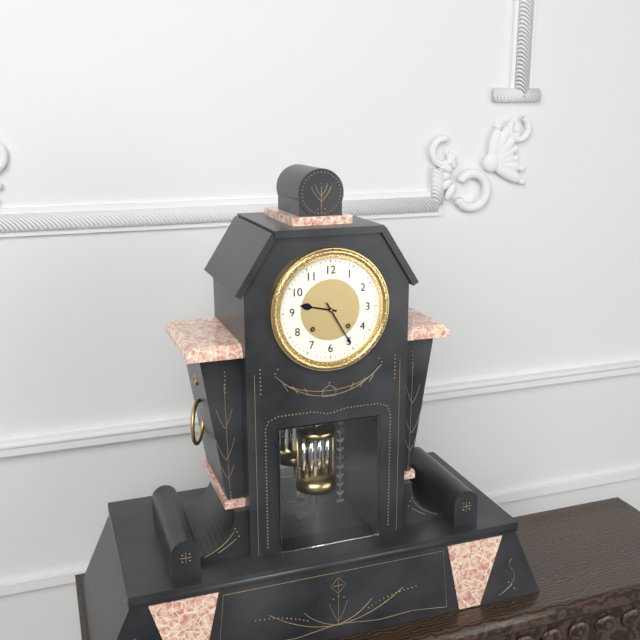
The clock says 9.25
